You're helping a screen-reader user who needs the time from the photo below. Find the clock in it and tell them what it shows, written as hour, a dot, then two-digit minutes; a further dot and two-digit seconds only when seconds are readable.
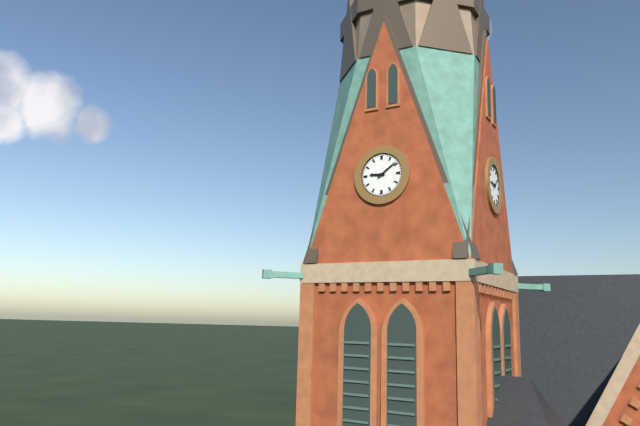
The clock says 9.09
